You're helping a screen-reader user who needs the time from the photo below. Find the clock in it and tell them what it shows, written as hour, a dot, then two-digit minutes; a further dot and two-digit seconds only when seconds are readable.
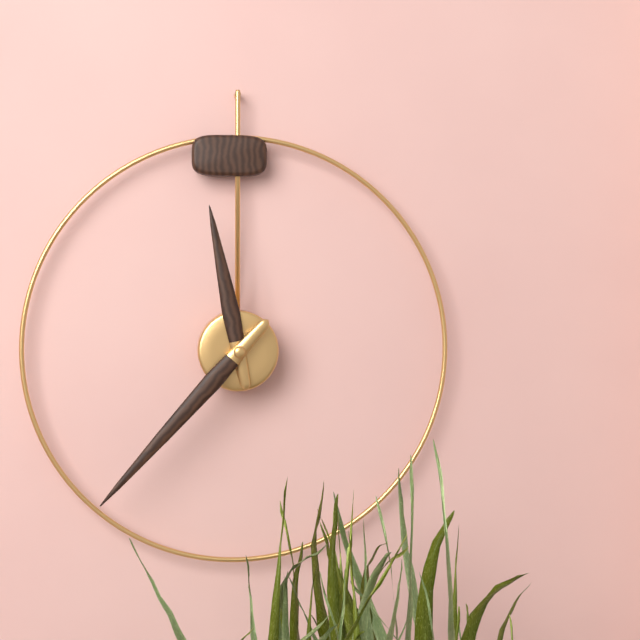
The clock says 11.37
